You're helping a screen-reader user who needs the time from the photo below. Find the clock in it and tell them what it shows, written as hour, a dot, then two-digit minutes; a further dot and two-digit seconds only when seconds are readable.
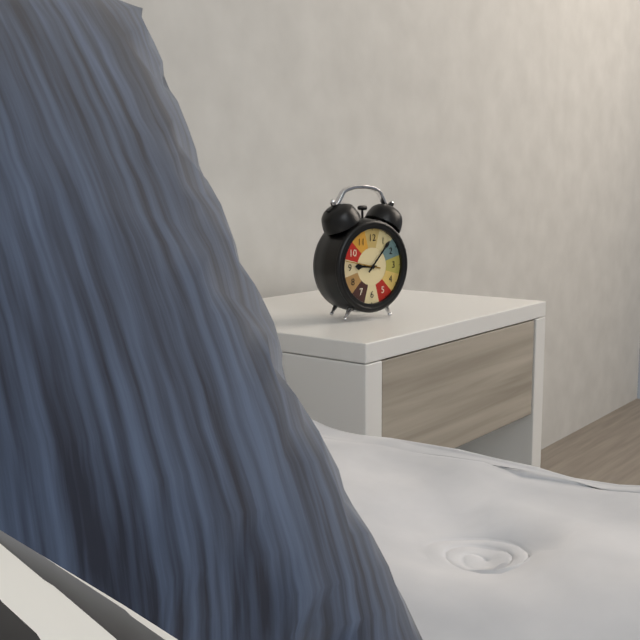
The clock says 9.07
